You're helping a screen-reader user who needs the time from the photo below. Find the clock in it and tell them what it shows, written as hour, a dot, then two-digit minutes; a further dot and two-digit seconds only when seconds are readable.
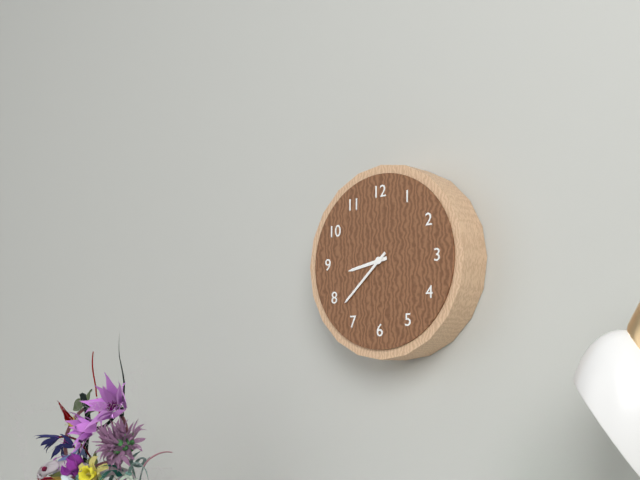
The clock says 8.38
